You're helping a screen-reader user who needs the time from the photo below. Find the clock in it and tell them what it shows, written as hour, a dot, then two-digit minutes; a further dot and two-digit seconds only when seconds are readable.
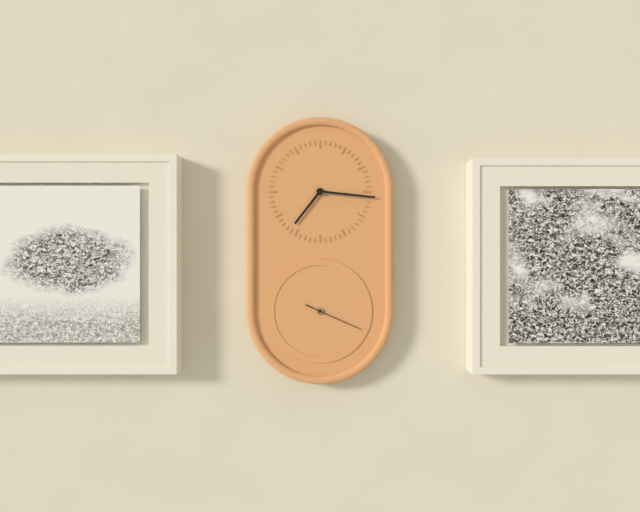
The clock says 7.16.19
